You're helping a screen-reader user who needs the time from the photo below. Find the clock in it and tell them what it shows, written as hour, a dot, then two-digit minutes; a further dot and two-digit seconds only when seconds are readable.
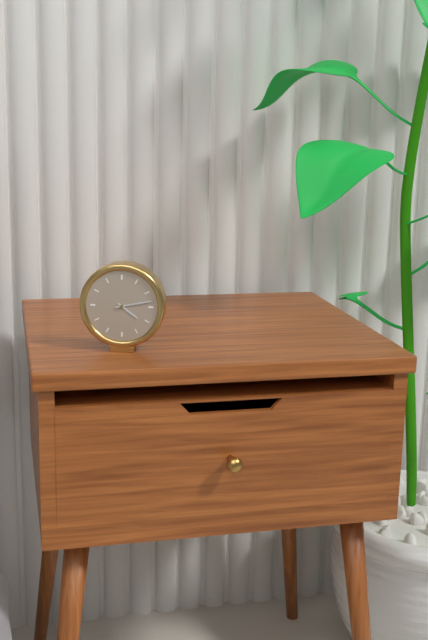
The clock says 4.13
